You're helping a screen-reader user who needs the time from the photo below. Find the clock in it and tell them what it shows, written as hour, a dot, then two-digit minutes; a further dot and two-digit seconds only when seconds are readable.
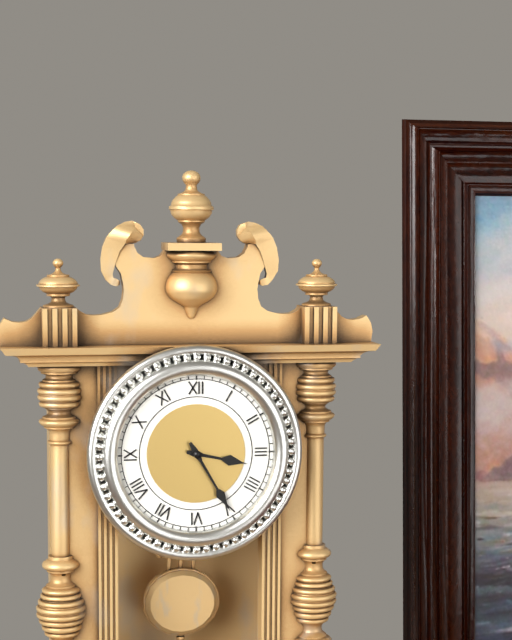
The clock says 3.25
